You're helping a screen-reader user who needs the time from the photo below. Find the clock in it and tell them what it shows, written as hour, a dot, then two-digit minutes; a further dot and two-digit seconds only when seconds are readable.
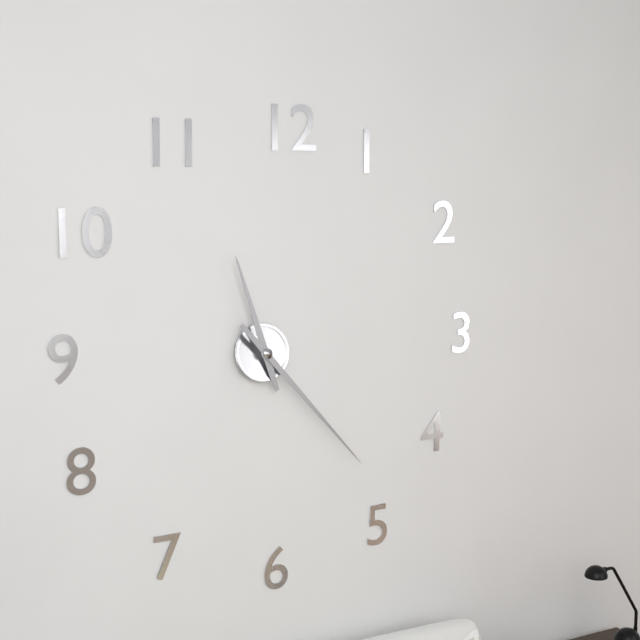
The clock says 11.23
